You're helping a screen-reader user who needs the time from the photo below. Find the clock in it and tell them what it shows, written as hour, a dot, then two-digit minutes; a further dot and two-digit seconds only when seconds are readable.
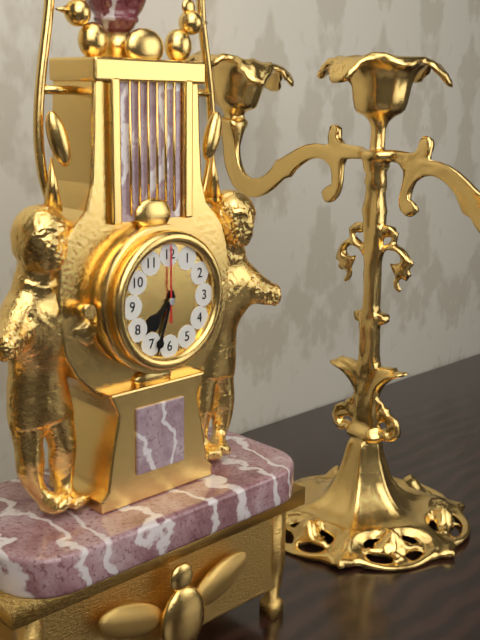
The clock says 7.33.00
